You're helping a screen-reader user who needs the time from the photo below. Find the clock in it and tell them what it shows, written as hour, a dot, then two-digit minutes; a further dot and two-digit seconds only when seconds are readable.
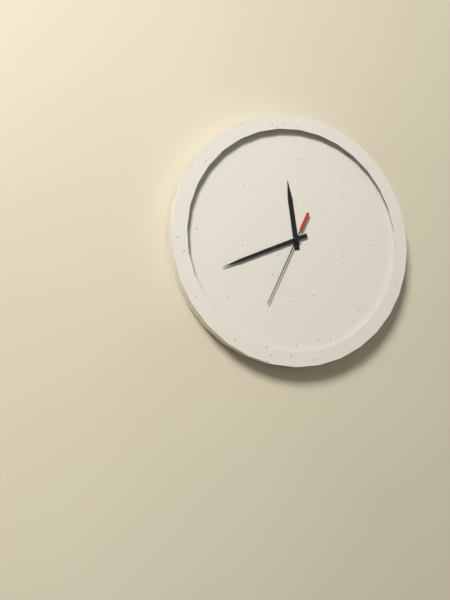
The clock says 11.41.34
